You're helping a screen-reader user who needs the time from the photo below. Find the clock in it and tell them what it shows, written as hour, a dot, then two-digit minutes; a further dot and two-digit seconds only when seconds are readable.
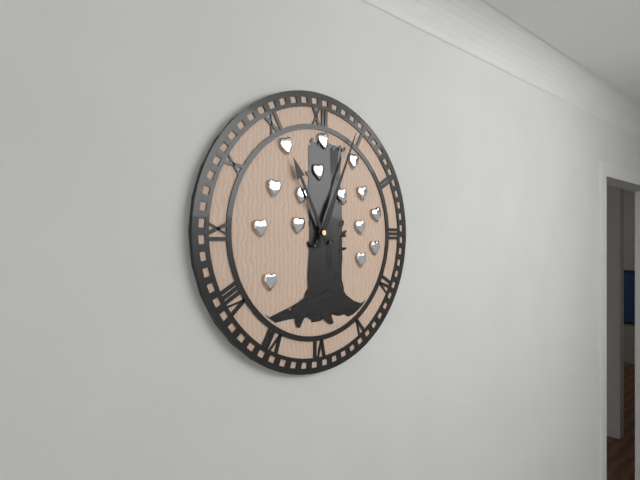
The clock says 11.04
